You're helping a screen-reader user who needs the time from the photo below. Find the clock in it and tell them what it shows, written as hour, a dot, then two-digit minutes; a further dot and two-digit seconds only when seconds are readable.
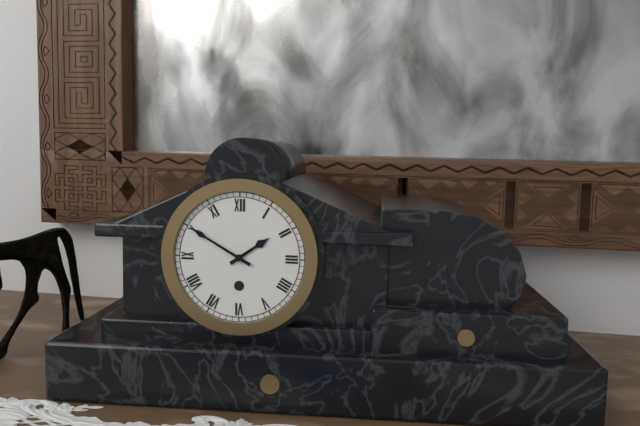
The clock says 1.50
